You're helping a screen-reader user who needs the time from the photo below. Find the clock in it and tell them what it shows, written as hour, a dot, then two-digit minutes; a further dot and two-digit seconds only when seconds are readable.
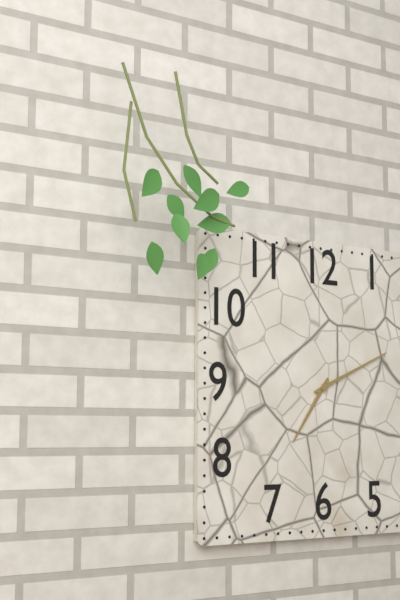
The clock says 7.11
